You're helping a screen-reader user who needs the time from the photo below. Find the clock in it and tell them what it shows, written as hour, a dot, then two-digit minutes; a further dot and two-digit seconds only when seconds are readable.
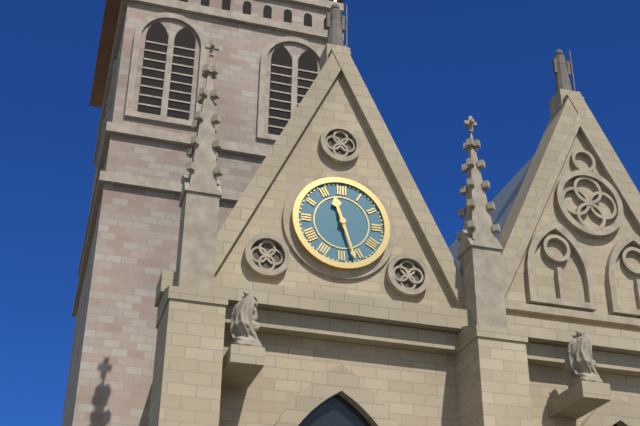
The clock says 11.27
